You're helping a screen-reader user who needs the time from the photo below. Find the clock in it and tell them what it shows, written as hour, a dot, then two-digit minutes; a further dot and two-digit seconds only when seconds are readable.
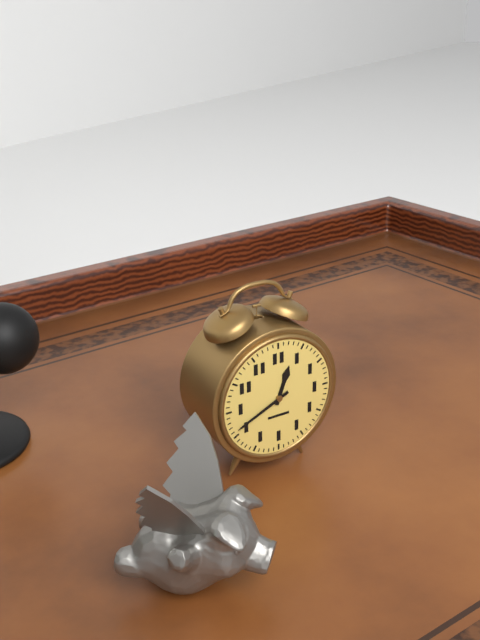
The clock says 12.41
